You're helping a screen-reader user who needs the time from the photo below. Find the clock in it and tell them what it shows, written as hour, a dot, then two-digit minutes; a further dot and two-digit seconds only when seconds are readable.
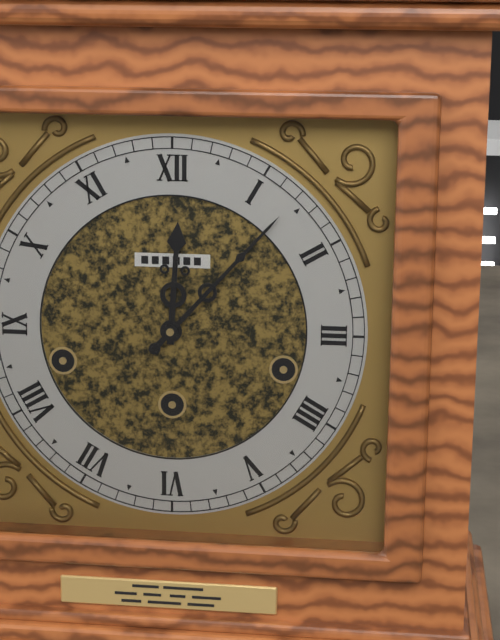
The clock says 12.07
